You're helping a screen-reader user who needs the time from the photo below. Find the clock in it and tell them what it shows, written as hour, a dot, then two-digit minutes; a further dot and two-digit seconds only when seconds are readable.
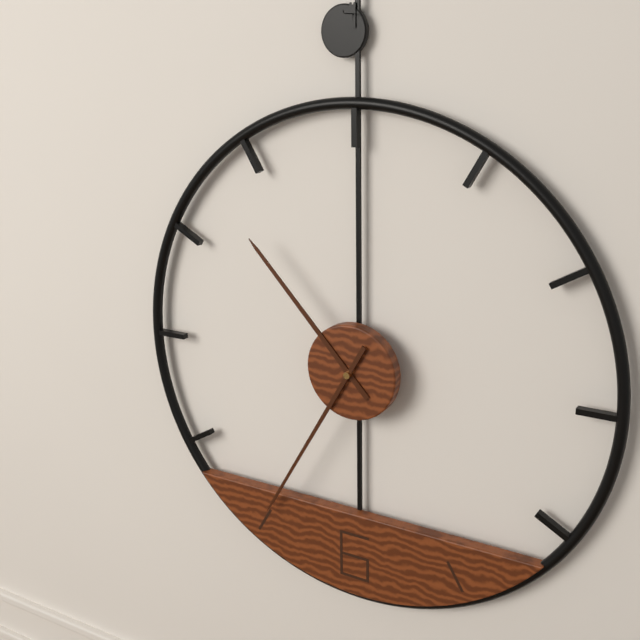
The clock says 10.35
